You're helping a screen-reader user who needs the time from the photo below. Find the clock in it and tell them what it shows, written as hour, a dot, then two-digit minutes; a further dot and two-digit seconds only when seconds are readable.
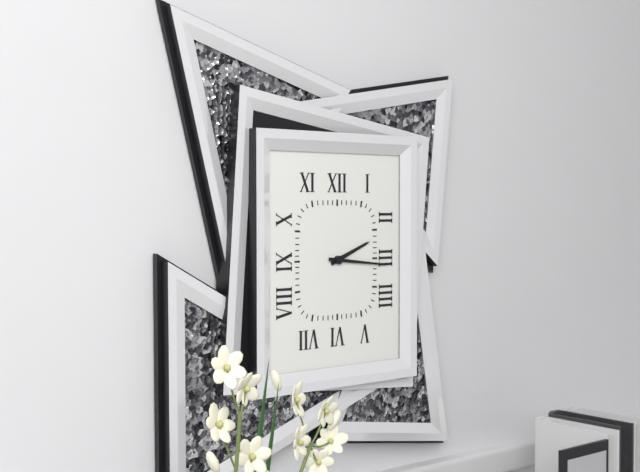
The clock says 2.16
